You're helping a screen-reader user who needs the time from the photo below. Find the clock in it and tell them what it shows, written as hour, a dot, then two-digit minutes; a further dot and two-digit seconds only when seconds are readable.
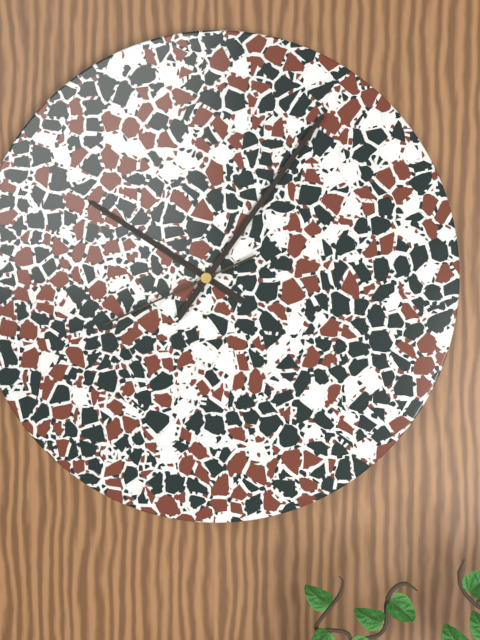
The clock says 10.06.41
